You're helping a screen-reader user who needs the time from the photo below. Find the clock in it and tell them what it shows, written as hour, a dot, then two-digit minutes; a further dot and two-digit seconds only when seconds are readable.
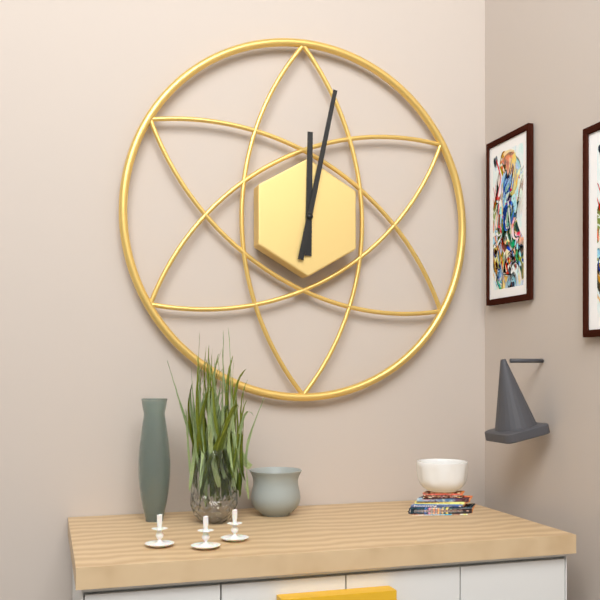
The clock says 12.02
